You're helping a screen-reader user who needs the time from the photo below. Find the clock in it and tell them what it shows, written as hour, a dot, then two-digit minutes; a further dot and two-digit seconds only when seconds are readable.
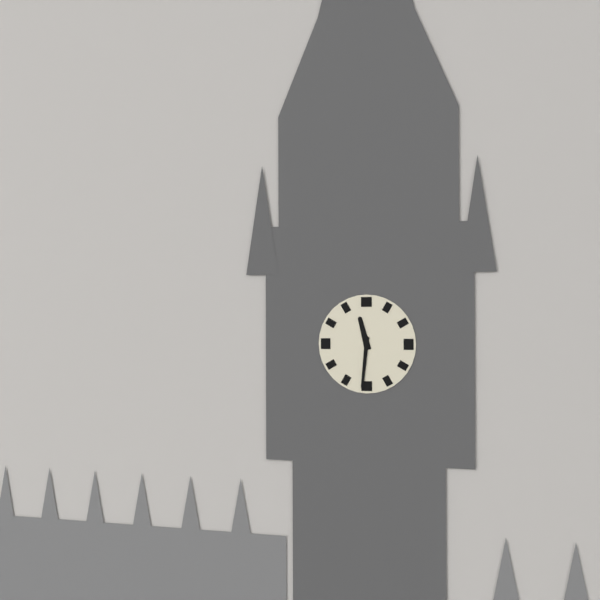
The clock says 11.31
